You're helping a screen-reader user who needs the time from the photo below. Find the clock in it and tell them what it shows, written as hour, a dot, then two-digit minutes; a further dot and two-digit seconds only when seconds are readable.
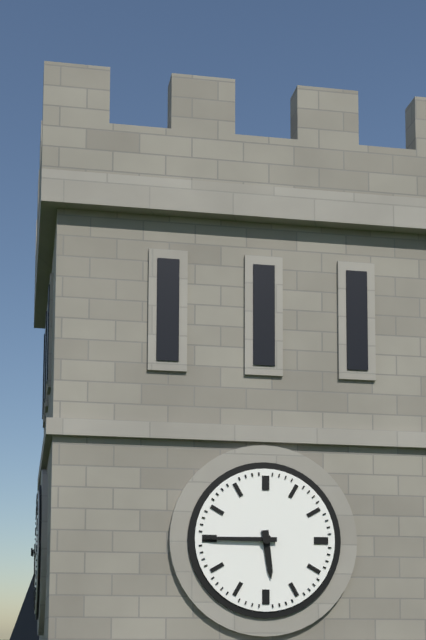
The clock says 5.45
